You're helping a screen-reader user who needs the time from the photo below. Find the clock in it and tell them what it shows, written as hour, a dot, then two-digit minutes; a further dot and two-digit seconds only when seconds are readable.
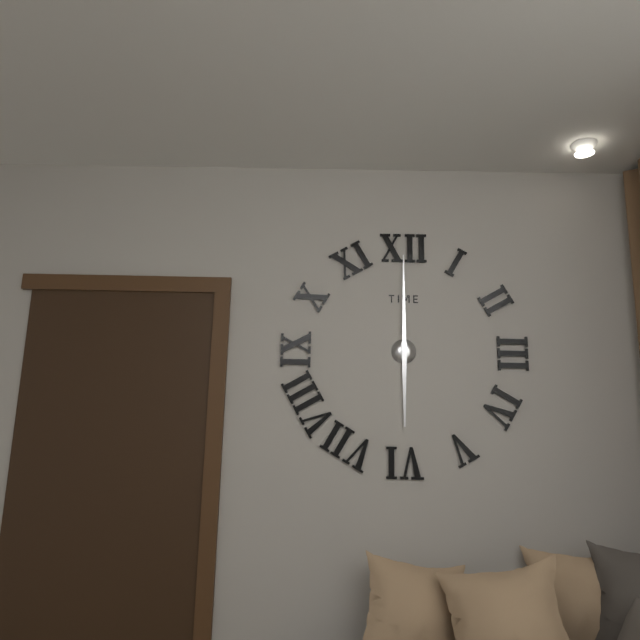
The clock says 6.00
